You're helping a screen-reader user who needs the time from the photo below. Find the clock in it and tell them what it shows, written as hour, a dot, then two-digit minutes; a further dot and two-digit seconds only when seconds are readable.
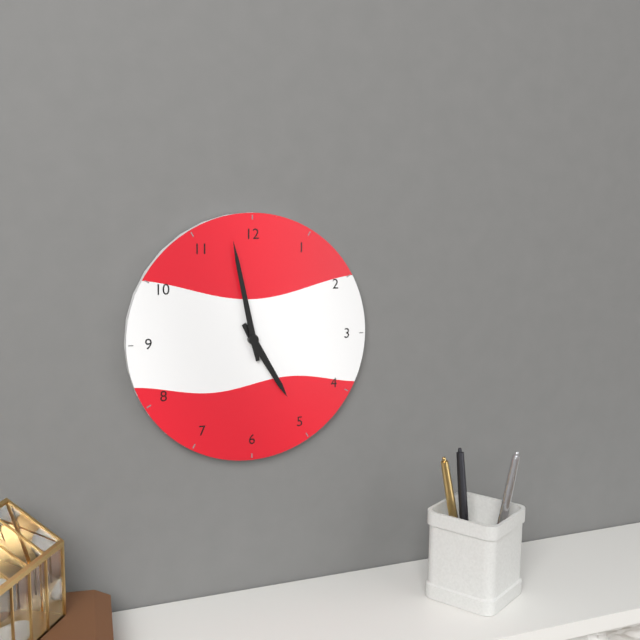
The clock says 4.58
